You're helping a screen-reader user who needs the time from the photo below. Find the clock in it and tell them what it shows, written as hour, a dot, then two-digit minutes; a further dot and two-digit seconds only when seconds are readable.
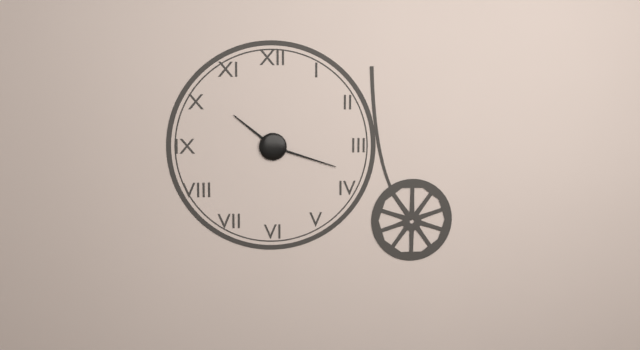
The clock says 10.18
